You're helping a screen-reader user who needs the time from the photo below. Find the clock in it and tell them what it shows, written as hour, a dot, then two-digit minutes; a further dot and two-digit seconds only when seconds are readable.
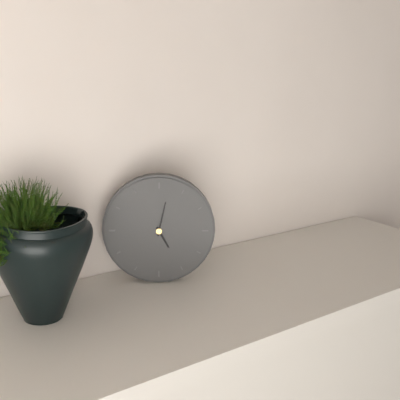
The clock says 5.02
